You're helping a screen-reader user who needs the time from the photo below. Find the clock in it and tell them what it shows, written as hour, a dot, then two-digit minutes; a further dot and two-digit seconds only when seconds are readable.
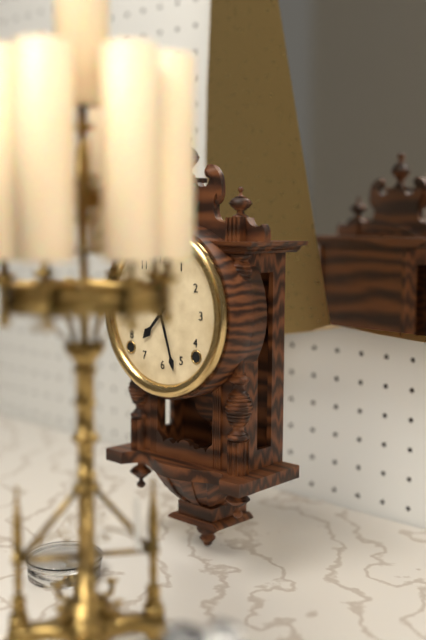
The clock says 7.27
